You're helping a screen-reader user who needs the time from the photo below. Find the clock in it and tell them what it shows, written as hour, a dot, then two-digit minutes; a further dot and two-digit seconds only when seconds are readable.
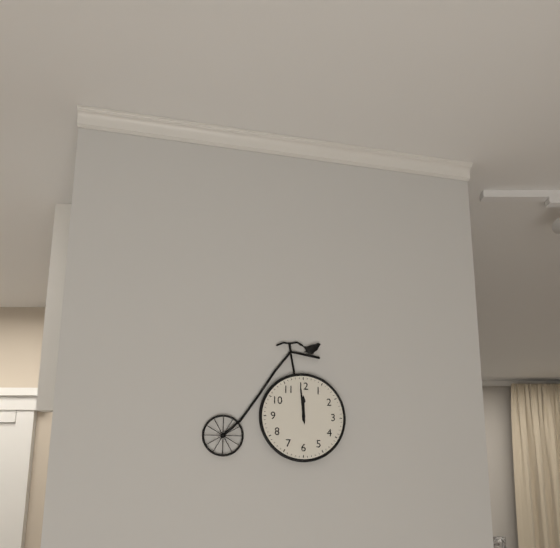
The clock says 11.59
